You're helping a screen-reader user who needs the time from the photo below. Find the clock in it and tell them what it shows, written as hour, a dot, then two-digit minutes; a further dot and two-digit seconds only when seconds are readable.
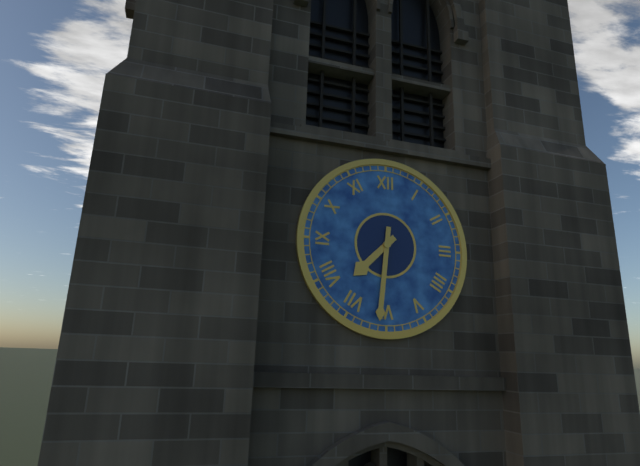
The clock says 7.31
